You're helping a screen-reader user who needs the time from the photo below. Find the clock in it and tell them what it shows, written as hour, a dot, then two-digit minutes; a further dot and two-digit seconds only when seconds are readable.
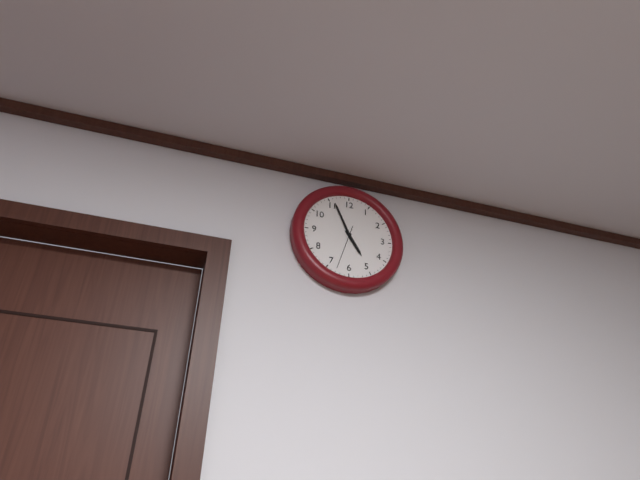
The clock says 4.56
